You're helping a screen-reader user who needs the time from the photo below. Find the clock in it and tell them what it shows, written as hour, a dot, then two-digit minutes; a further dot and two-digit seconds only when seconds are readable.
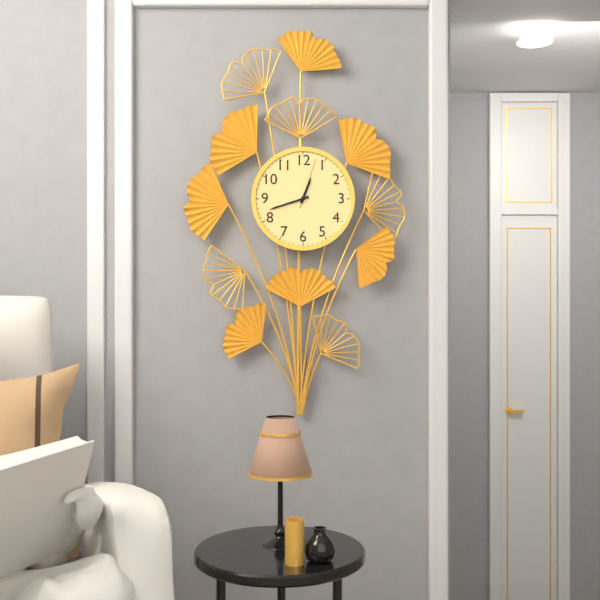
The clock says 12.42.03
